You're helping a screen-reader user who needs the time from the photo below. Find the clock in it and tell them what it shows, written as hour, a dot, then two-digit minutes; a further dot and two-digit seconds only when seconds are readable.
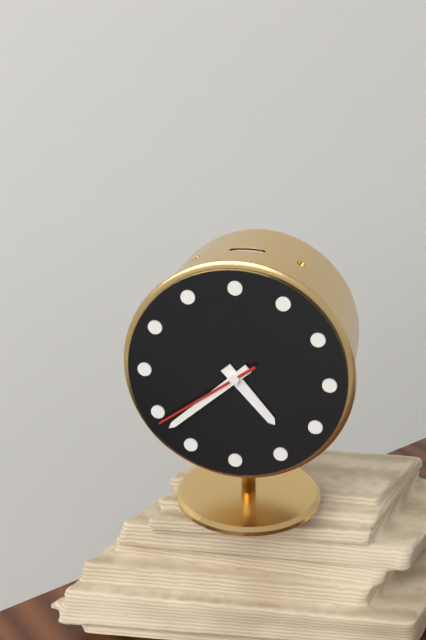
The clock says 4.38.39
